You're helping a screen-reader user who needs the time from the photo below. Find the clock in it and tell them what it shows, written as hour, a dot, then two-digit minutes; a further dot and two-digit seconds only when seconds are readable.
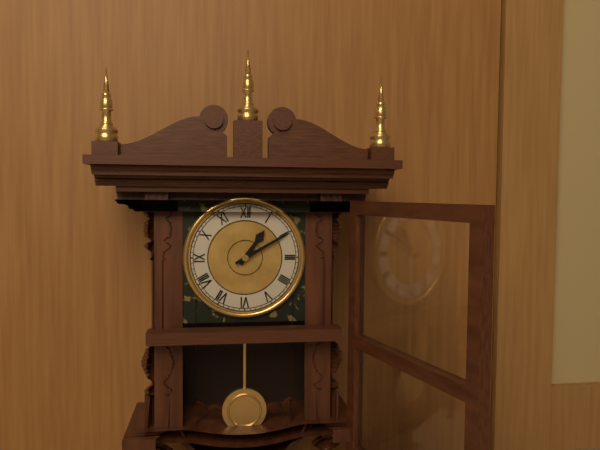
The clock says 1.10
